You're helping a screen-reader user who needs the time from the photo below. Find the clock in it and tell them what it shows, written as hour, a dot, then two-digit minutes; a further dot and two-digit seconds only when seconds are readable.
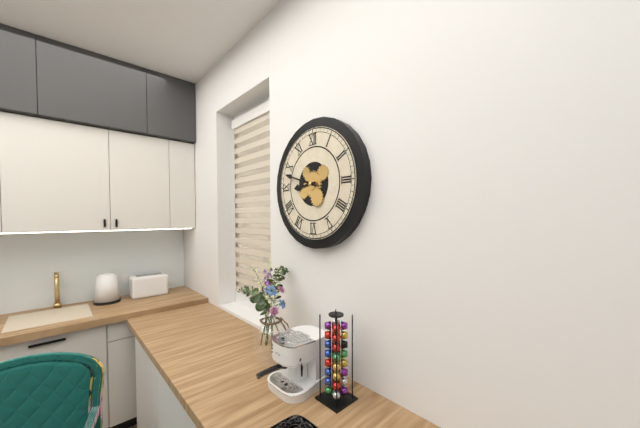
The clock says 8.48
